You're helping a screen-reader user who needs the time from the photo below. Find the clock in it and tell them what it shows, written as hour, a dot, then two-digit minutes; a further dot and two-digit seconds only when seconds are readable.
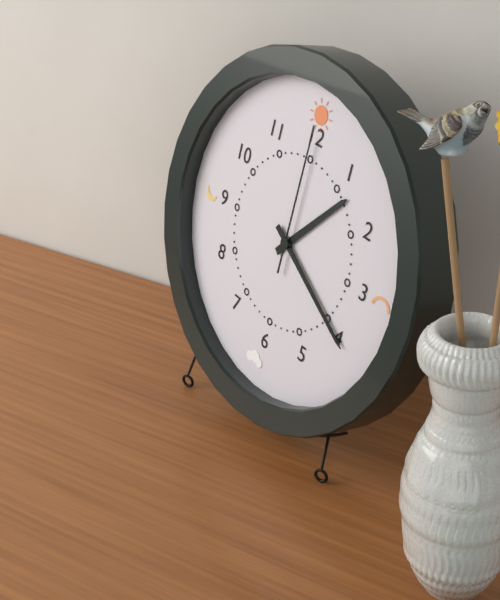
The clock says 1.20.00
